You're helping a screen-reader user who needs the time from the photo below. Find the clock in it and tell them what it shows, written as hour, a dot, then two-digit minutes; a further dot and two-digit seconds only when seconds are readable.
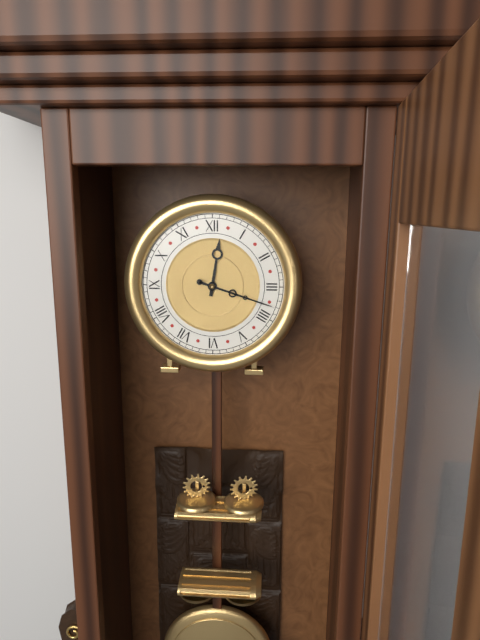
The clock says 12.18
